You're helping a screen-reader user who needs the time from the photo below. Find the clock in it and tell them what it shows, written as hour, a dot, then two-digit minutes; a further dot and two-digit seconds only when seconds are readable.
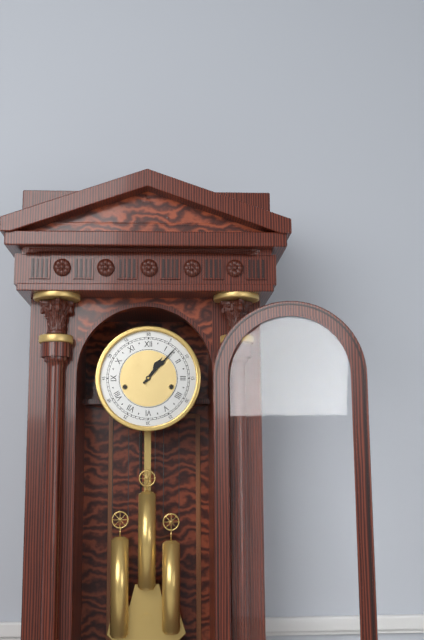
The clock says 1.07
